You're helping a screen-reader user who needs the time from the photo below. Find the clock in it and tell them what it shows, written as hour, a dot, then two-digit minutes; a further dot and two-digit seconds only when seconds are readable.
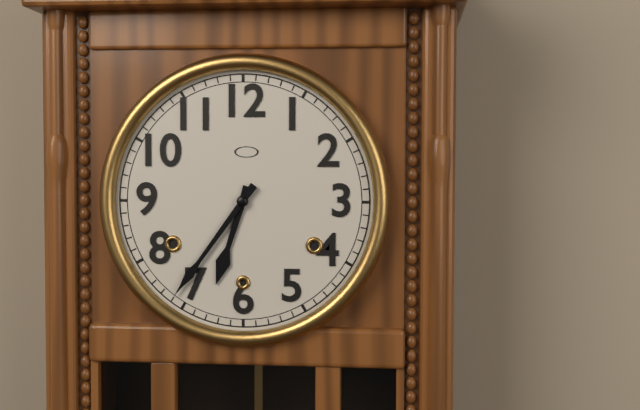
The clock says 6.36
